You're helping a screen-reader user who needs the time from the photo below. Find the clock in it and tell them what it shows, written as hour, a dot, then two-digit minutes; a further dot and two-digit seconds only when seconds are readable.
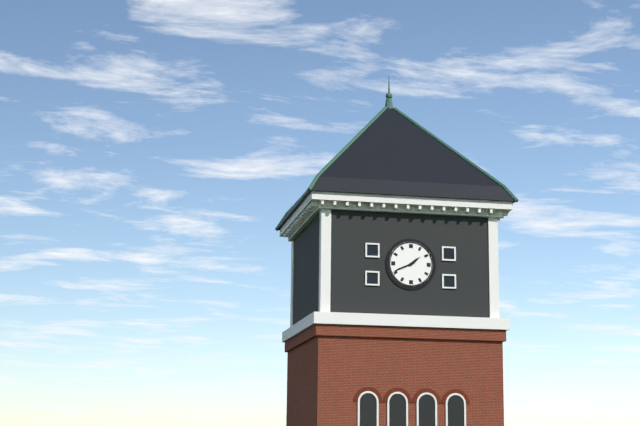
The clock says 1.41
